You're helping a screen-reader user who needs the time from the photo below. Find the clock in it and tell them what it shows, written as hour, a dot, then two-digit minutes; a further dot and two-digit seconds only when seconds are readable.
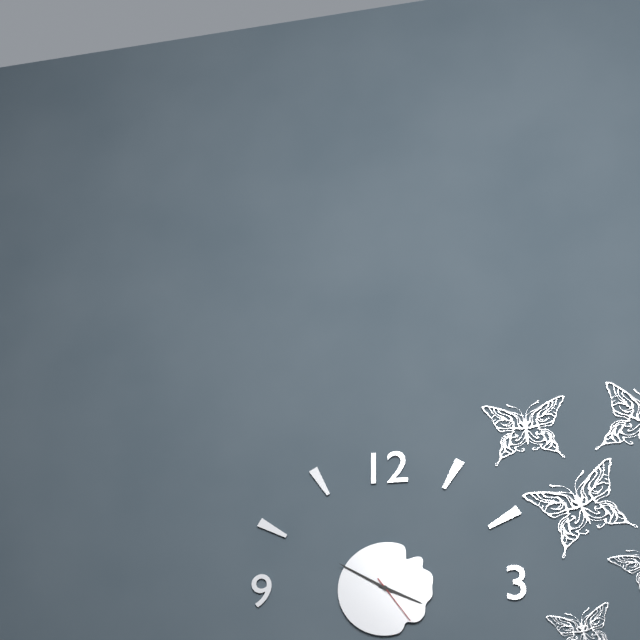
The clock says 3.50.24
